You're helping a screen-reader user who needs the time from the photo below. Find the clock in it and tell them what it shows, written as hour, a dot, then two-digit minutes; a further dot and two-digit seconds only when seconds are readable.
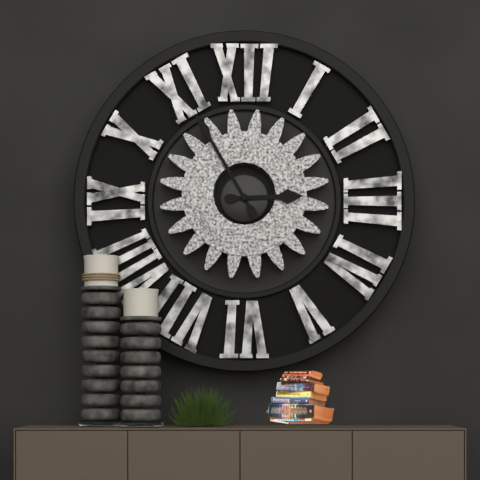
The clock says 2.55
